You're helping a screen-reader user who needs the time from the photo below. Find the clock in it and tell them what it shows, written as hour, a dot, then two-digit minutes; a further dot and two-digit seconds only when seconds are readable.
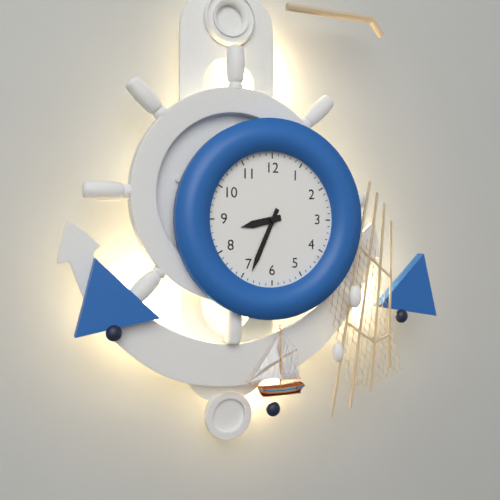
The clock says 8.34
